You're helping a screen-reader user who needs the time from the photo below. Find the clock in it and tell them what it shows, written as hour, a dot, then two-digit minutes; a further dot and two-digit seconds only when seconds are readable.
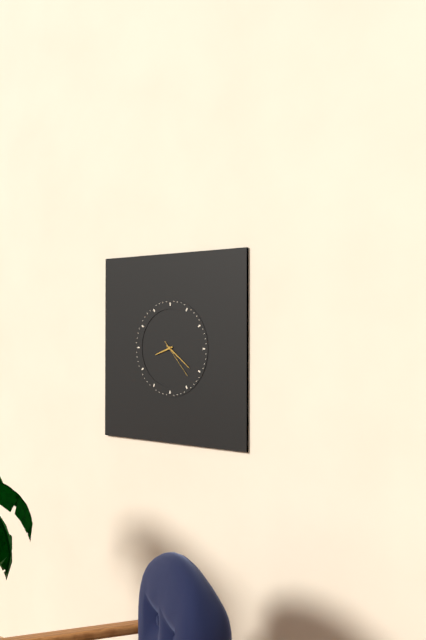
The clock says 8.21
